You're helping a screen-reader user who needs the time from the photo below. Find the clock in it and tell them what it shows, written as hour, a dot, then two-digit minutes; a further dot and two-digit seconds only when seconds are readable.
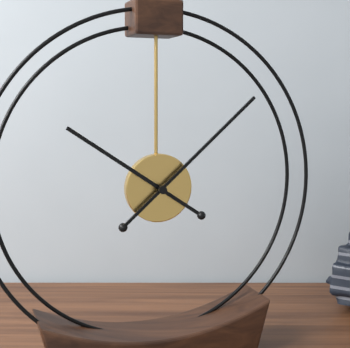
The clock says 10.08
